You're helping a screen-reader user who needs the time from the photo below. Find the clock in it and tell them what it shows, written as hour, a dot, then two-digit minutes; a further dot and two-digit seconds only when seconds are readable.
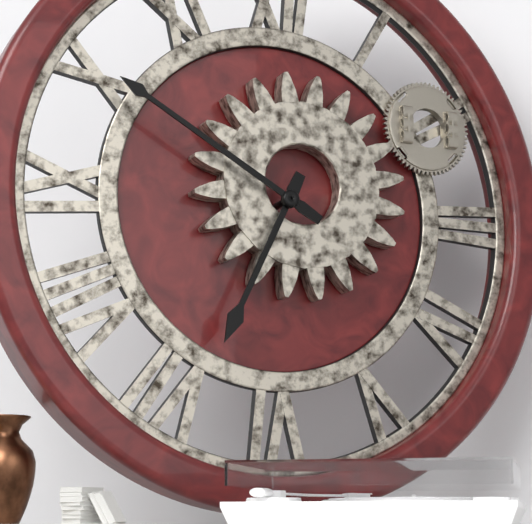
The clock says 6.50
